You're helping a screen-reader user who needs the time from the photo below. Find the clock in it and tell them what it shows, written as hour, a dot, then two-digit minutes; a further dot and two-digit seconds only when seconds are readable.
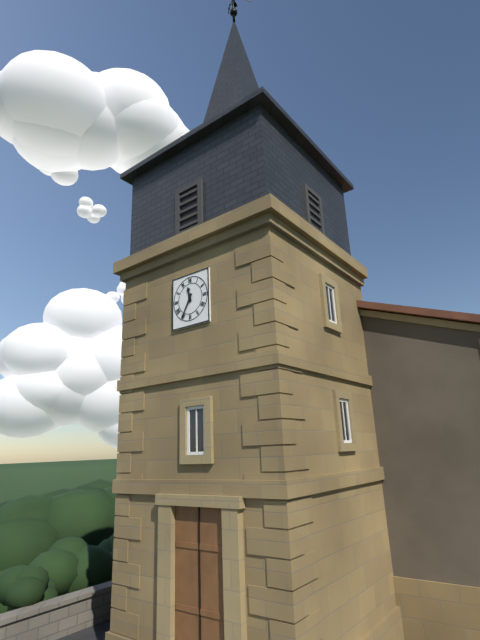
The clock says 11.35
